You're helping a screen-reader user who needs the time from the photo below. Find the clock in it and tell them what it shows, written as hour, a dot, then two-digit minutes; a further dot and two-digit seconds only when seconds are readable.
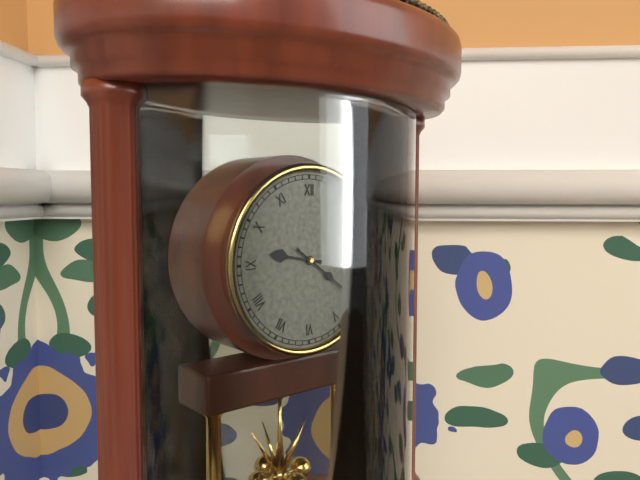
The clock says 9.21
